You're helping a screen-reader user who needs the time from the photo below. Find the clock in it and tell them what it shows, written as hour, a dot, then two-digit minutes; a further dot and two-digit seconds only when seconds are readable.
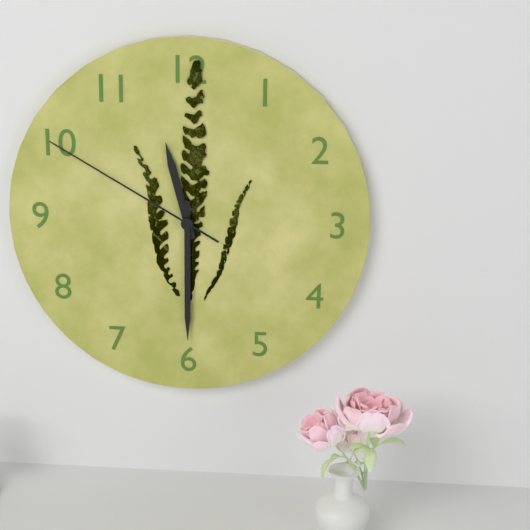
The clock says 11.30.50
